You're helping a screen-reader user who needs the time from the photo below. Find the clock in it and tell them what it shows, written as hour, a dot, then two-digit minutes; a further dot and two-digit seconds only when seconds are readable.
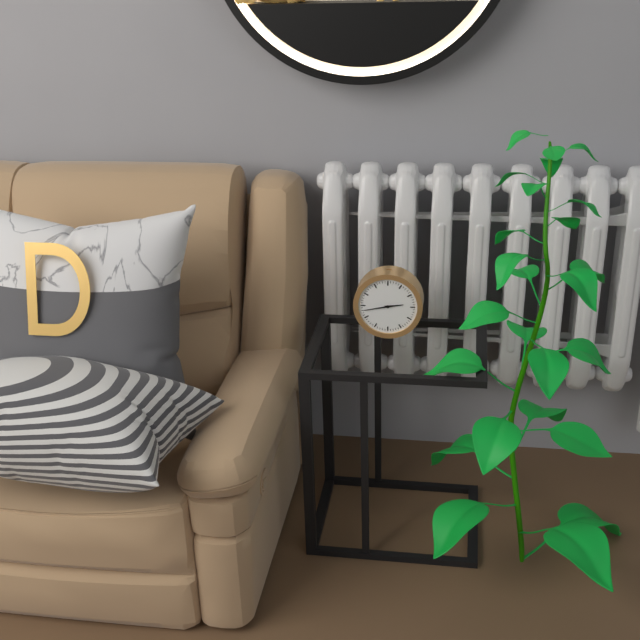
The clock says 2.43
